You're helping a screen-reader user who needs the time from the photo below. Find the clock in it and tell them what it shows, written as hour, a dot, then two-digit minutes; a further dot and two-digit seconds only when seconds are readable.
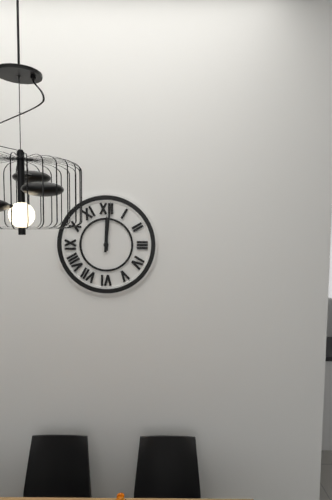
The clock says 12.01
